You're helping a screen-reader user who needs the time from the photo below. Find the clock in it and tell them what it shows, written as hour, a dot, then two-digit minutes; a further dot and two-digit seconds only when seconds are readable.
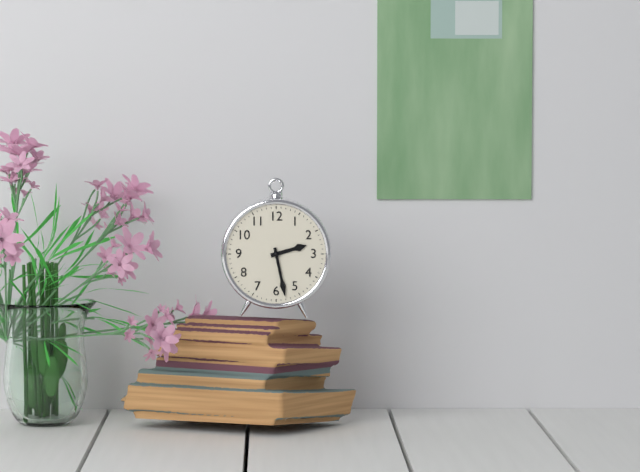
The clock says 2.28
